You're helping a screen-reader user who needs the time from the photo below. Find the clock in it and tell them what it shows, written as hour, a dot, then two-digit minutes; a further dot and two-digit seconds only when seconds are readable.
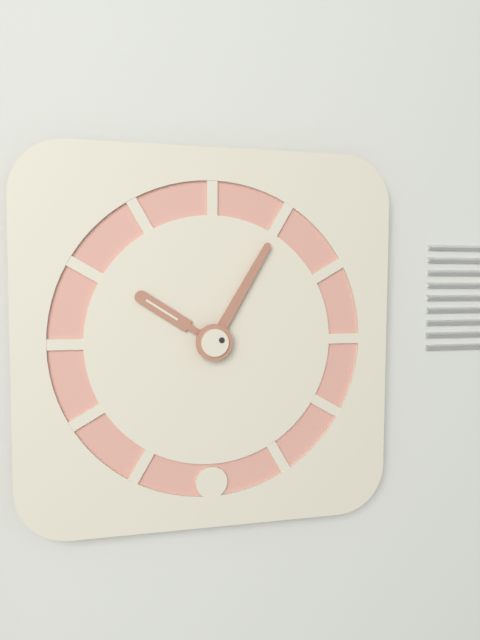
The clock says 10.05
